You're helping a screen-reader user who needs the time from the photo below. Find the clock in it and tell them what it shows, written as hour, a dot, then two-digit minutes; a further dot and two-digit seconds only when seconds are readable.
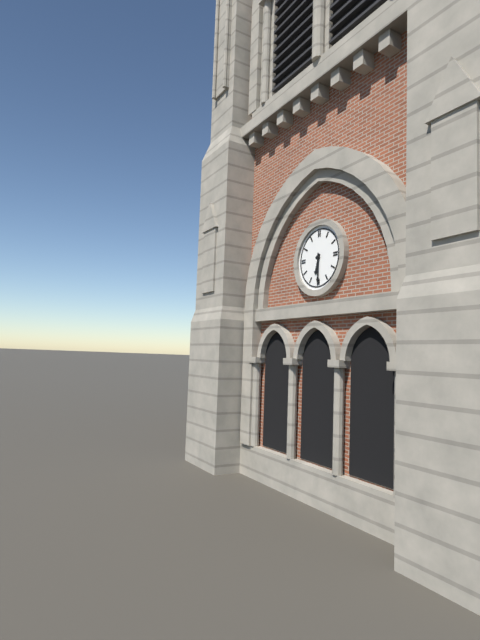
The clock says 6.30
